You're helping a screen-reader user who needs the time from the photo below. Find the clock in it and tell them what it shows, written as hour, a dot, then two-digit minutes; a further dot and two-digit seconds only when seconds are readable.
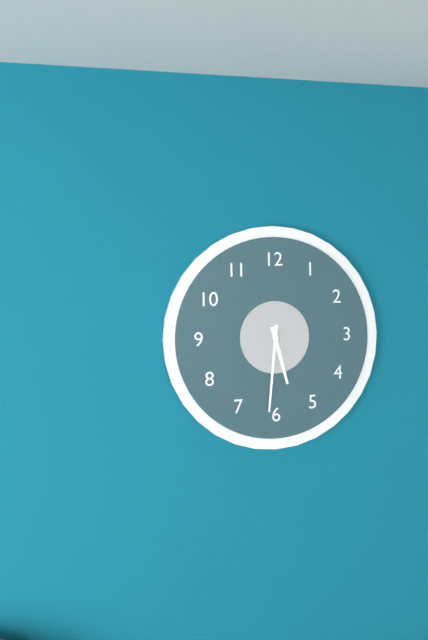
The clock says 5.31
